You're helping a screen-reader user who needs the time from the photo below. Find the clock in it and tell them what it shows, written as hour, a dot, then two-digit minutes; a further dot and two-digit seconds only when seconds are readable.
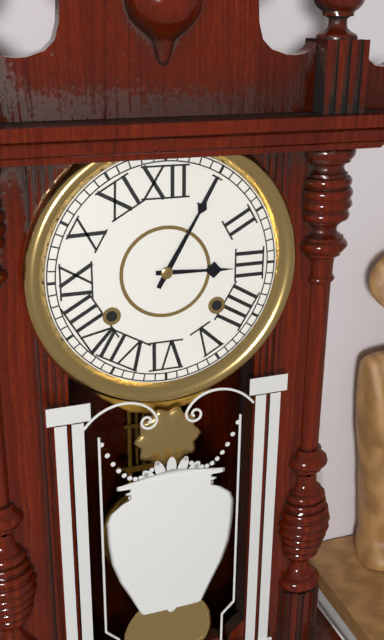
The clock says 3.05
